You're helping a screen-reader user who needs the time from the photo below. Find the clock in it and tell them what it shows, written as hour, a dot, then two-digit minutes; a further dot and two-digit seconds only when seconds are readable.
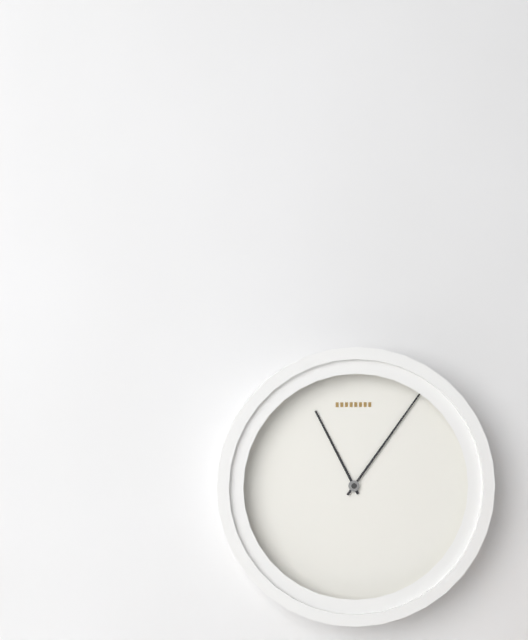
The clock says 11.06
